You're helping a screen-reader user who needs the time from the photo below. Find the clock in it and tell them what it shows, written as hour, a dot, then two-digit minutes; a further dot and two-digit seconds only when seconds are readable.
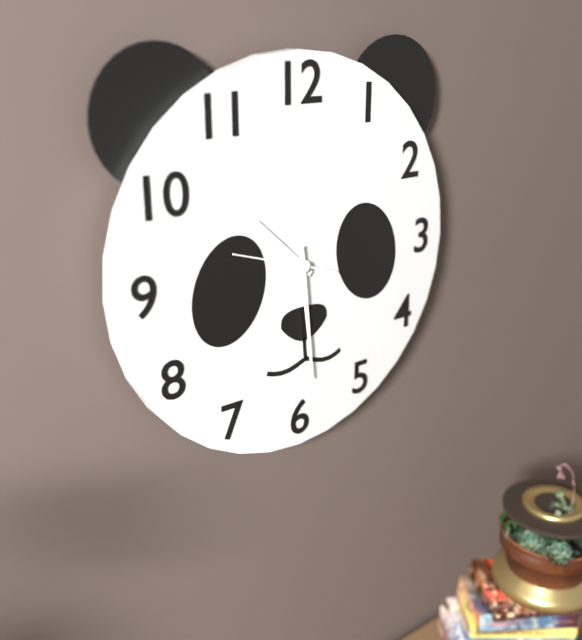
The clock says 10.29.48
